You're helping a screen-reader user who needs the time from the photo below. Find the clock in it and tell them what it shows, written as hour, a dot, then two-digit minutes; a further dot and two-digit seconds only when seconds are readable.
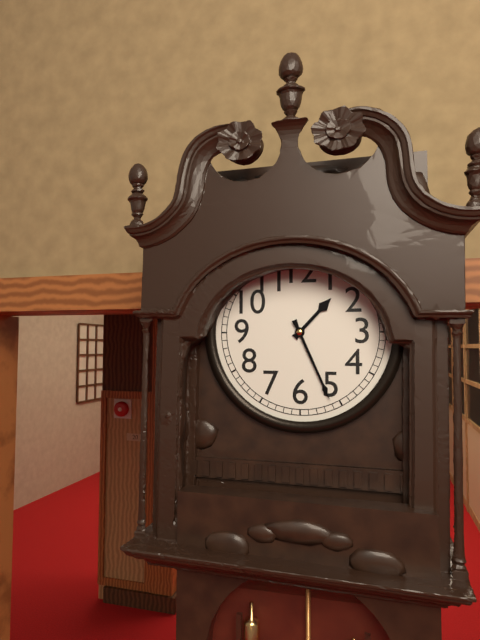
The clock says 1.26
